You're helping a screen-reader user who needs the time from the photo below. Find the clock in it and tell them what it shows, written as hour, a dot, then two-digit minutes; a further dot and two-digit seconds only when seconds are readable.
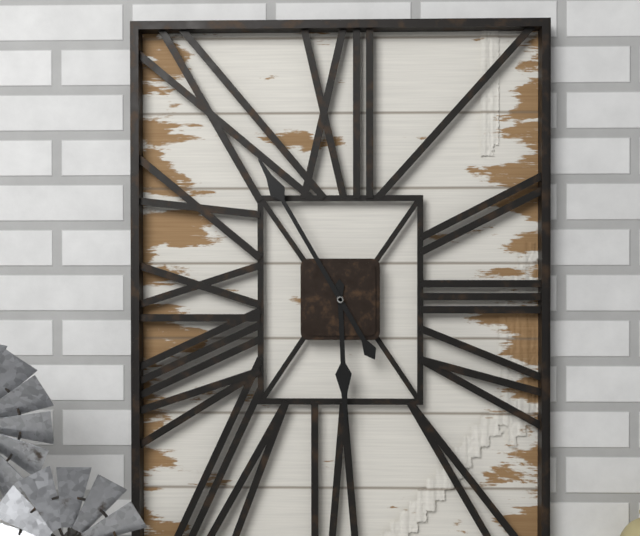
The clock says 5.55
